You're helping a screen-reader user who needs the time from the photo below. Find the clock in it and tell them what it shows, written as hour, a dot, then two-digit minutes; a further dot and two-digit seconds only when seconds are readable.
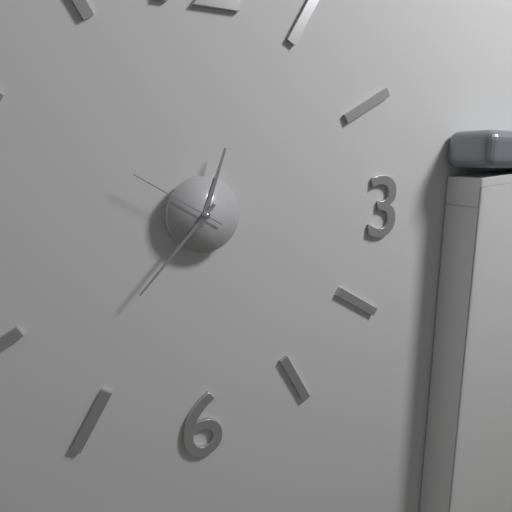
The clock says 12.37.50
